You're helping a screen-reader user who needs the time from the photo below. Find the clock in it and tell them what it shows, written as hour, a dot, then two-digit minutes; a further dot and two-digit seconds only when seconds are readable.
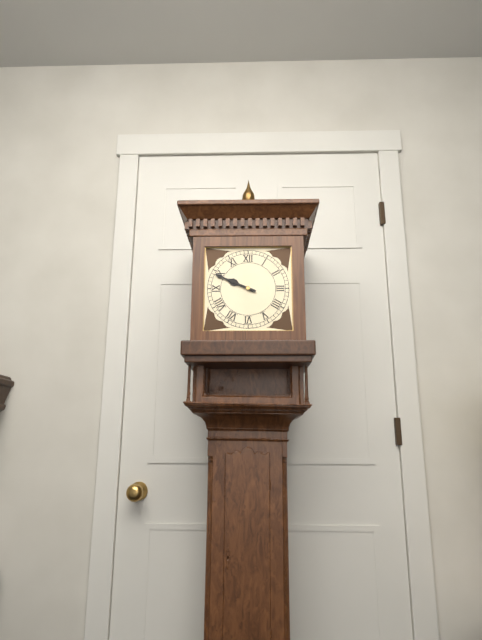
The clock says 9.49
